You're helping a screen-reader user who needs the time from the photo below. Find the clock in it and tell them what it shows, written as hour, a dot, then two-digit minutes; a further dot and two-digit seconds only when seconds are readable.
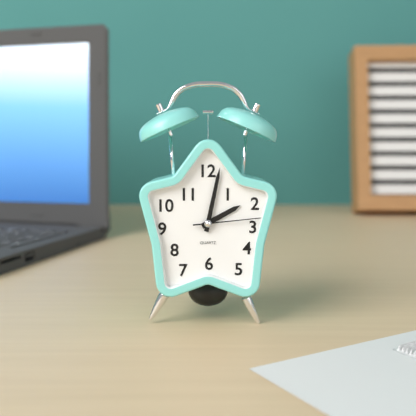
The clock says 2.02.14
